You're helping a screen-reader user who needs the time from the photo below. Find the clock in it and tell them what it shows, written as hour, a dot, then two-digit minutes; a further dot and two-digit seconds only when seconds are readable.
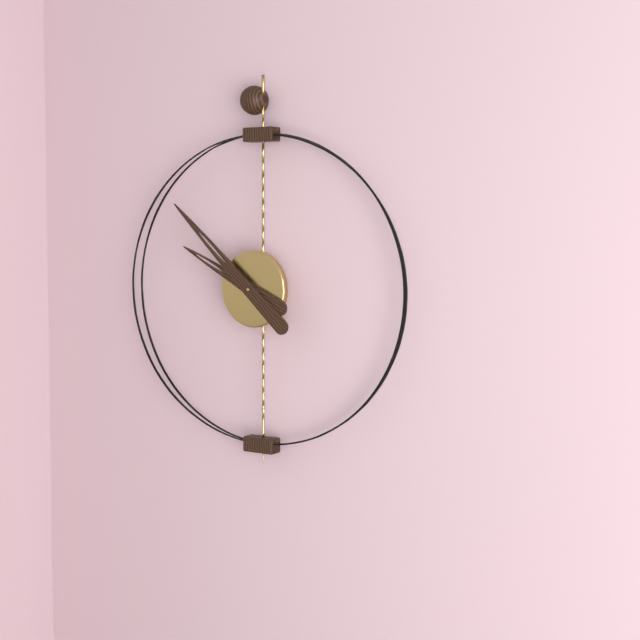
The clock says 9.52
